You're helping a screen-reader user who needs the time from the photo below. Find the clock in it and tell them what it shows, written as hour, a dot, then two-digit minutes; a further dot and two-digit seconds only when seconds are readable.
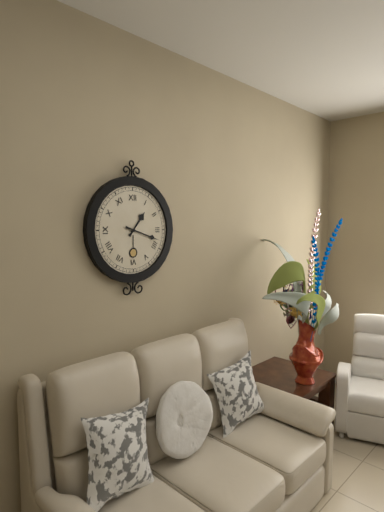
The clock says 1.18
